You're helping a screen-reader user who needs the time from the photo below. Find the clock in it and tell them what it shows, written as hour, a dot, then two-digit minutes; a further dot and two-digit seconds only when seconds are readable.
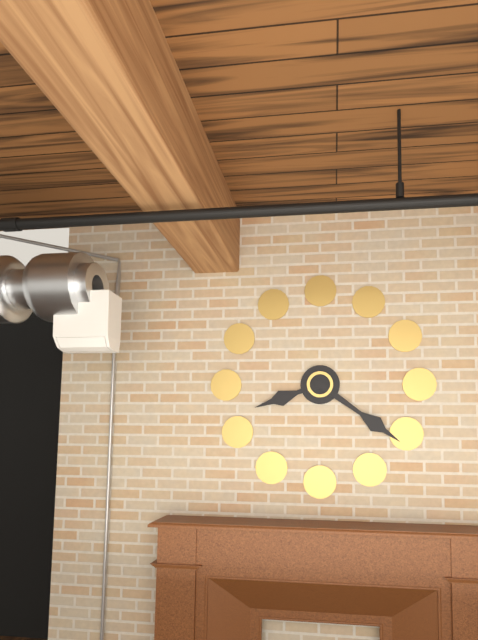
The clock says 8.21
